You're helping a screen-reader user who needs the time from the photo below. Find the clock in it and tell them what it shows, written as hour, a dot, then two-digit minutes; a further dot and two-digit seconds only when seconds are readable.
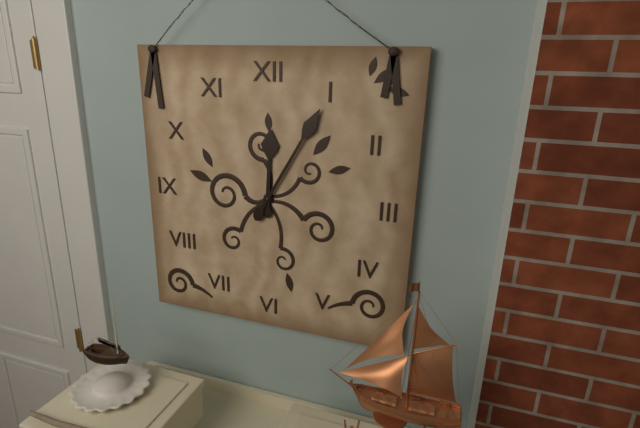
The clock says 12.05
